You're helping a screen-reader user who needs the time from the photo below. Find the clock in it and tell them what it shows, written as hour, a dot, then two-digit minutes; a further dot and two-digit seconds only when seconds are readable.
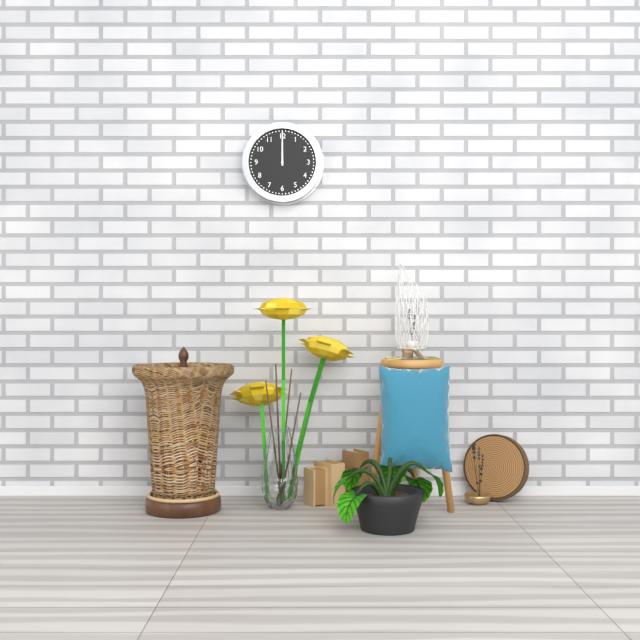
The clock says 12.00
